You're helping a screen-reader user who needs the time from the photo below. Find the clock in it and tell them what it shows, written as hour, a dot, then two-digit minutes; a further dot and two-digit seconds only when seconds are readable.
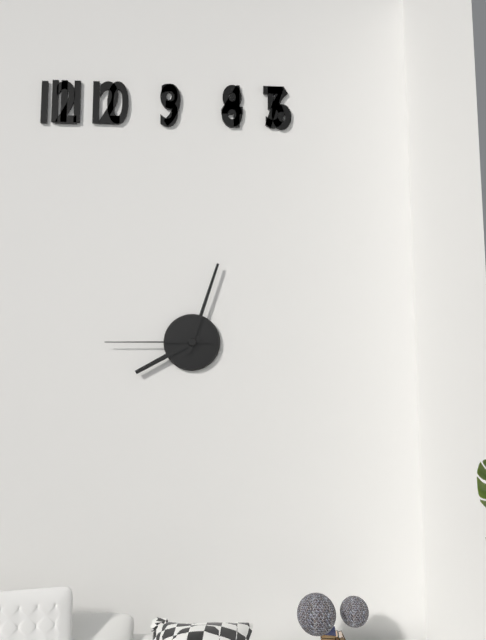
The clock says 8.03.45
